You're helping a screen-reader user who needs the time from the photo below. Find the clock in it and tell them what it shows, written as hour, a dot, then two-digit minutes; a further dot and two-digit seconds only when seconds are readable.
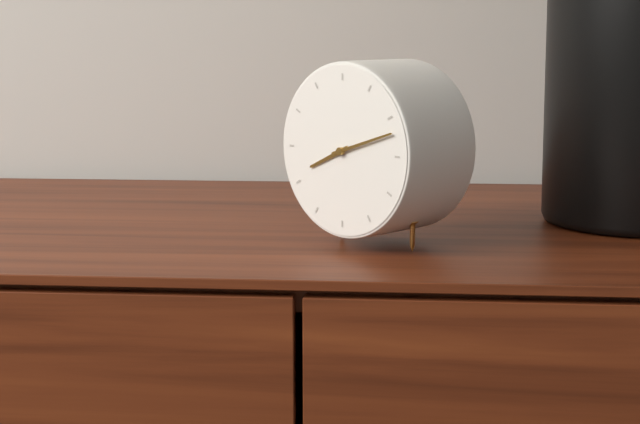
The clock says 8.12
